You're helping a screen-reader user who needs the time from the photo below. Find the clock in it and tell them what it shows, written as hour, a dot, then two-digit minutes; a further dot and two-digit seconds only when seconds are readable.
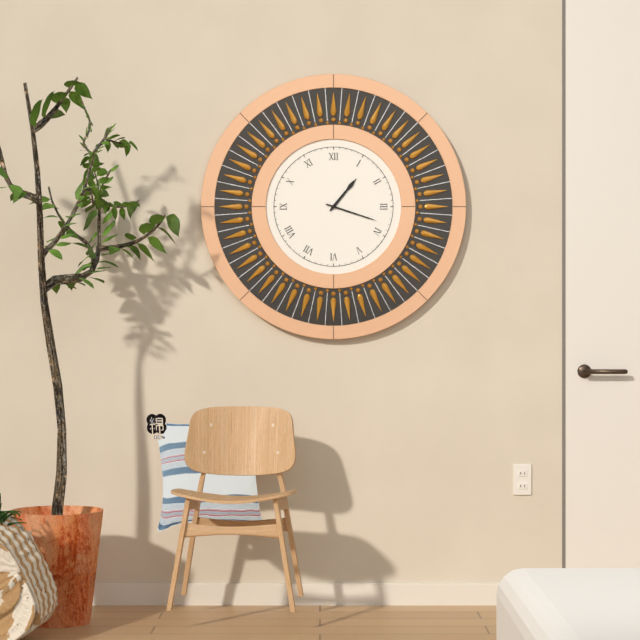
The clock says 1.18
